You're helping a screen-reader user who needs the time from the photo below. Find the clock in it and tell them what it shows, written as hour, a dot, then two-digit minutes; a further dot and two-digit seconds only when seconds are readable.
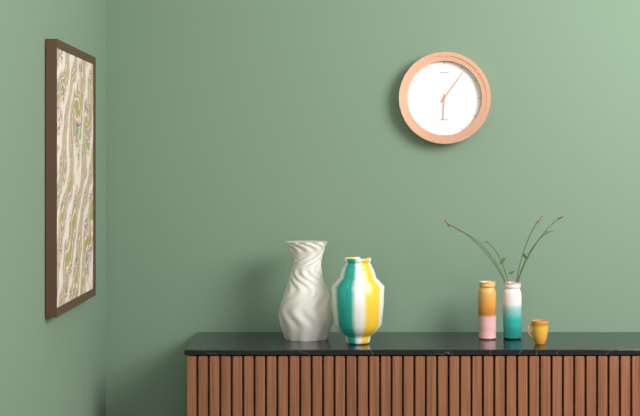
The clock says 6.06
